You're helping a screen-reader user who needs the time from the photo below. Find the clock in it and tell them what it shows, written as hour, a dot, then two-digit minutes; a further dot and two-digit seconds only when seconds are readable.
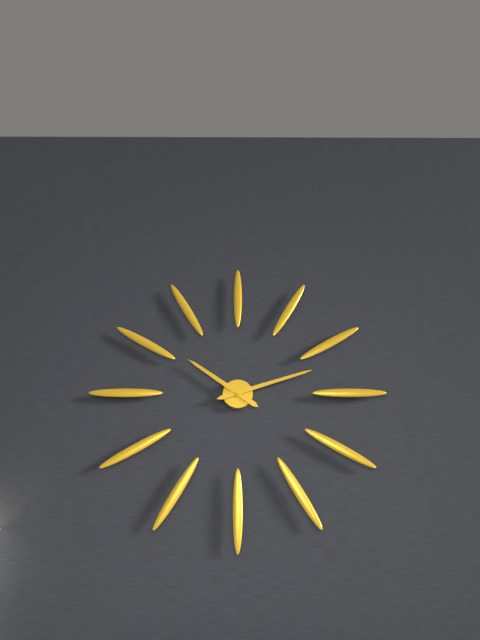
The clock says 10.12
